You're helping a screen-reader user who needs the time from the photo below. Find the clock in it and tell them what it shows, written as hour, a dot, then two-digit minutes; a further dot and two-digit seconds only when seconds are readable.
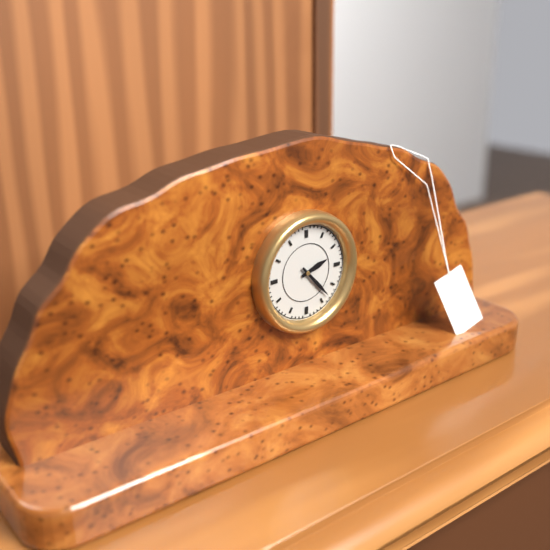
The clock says 2.23
